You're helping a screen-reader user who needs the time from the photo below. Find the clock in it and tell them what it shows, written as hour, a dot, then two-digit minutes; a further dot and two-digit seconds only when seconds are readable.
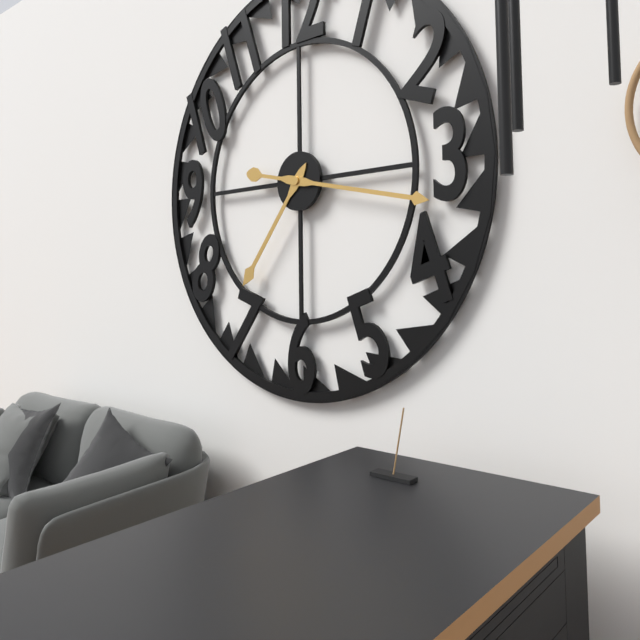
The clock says 7.17
